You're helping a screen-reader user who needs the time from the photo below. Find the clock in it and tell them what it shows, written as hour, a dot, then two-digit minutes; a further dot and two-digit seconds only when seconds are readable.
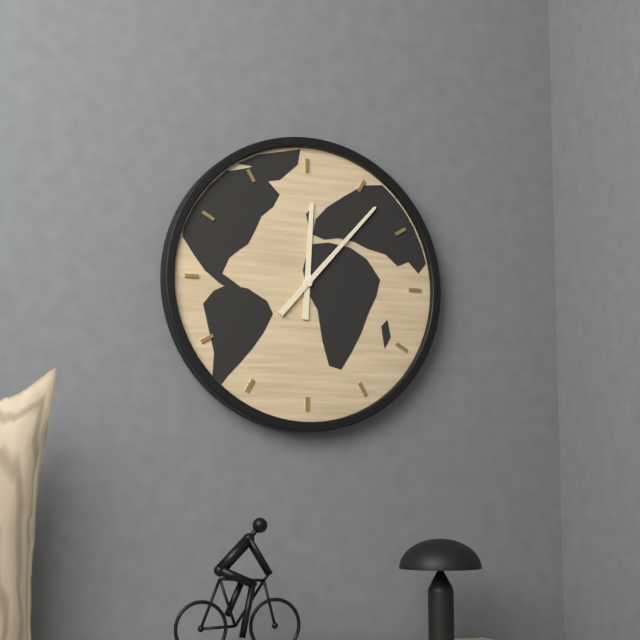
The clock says 12.07
